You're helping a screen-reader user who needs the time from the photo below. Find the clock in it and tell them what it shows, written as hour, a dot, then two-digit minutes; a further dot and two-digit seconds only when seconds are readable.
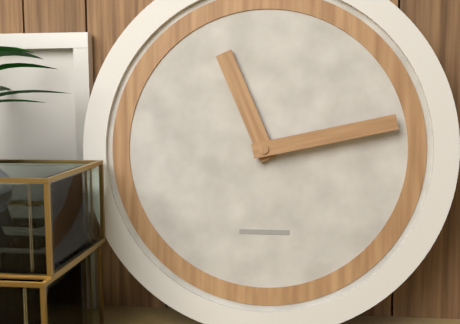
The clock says 11.13
